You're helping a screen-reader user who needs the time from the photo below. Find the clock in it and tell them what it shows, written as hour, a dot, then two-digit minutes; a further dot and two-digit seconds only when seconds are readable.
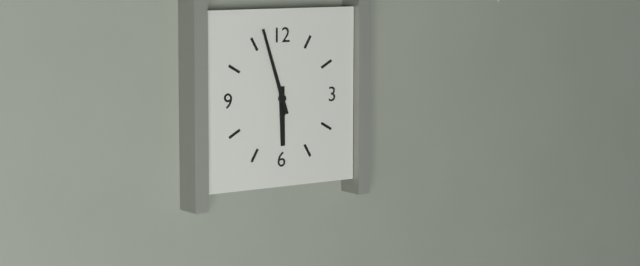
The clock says 5.57
